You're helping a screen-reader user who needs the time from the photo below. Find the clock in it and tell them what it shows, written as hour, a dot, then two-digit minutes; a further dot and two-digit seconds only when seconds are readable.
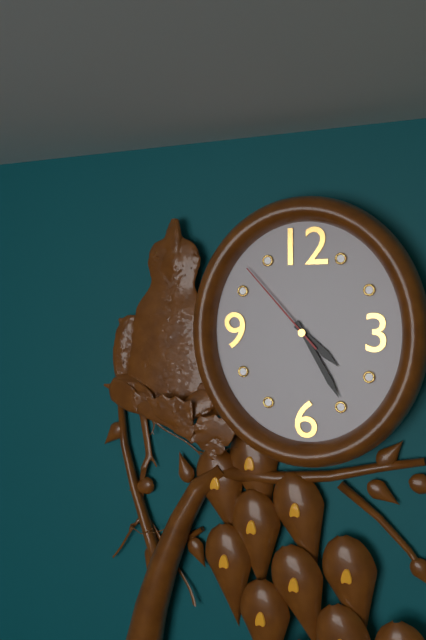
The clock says 4.25.53
